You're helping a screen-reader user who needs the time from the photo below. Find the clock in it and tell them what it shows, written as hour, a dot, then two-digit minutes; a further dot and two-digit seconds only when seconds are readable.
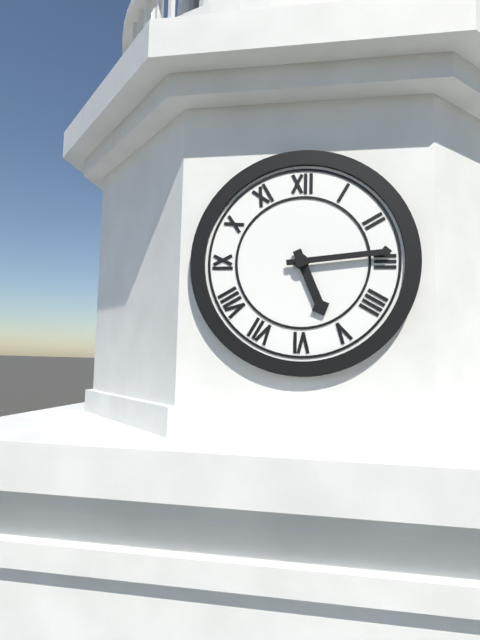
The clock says 5.14
